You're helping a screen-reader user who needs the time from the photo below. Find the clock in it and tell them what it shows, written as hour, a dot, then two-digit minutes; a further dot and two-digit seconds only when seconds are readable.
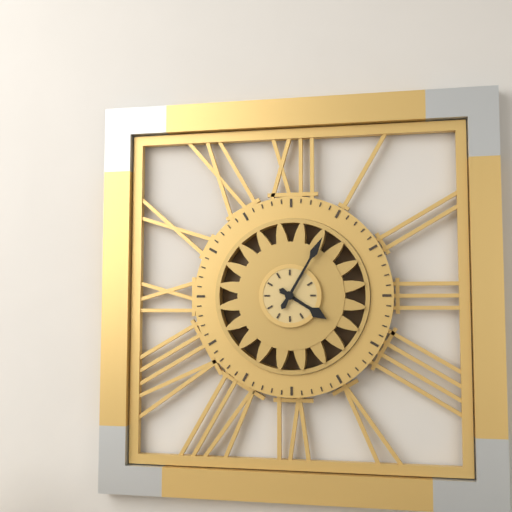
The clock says 4.05
